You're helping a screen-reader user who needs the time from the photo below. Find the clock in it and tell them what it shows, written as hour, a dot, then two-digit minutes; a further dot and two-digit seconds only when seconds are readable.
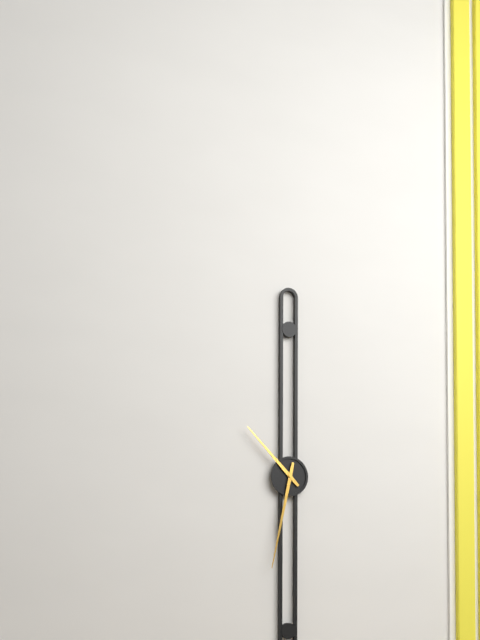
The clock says 10.32
